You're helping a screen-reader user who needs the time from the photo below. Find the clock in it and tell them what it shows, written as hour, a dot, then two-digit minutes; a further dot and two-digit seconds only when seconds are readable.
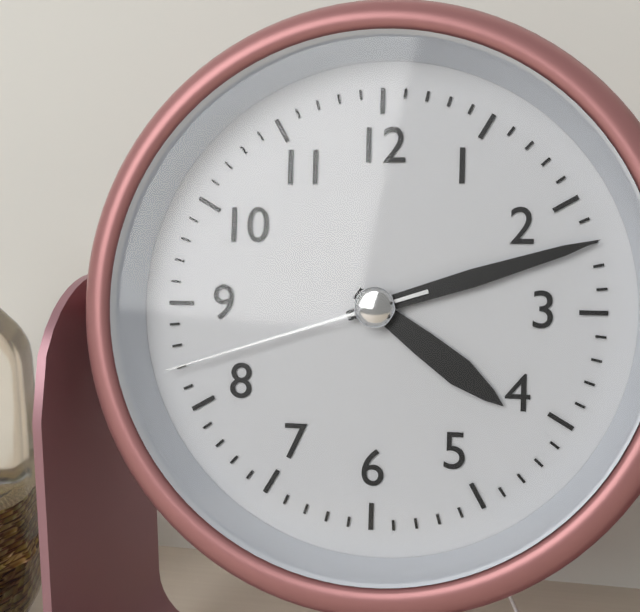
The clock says 4.12.42
